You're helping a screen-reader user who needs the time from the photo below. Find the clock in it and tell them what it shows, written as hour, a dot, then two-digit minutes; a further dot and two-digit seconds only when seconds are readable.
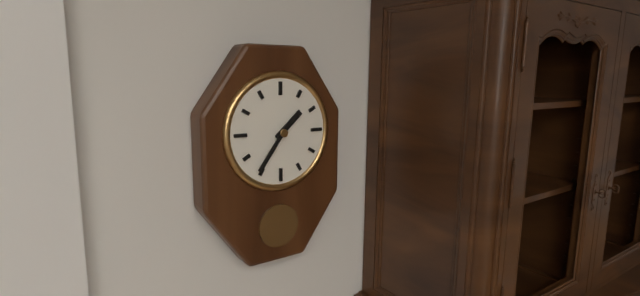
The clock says 1.36
